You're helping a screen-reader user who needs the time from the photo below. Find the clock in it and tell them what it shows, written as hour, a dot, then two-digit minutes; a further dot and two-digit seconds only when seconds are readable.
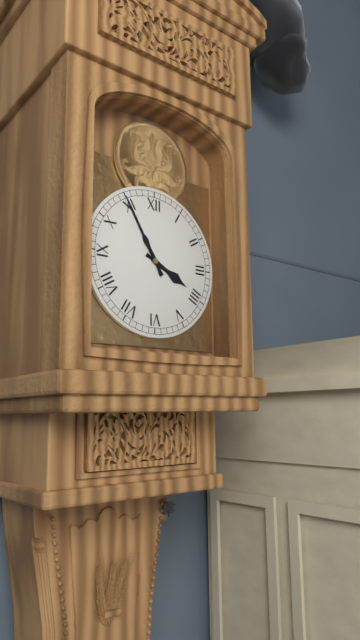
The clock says 3.55
